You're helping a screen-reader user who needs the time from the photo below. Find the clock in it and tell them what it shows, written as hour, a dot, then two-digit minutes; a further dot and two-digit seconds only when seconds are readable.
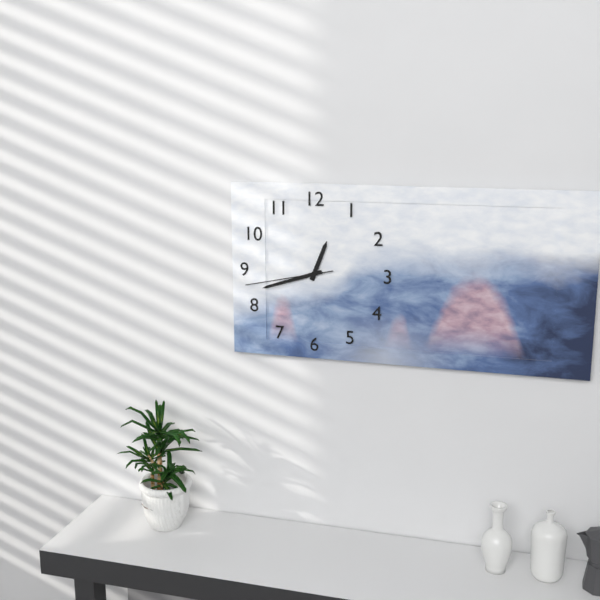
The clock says 12.42.43
